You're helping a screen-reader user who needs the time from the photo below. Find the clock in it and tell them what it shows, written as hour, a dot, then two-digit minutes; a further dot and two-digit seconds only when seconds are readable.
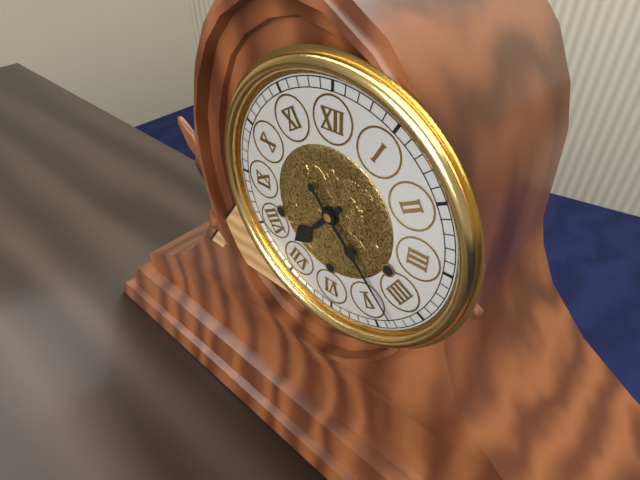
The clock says 7.23
